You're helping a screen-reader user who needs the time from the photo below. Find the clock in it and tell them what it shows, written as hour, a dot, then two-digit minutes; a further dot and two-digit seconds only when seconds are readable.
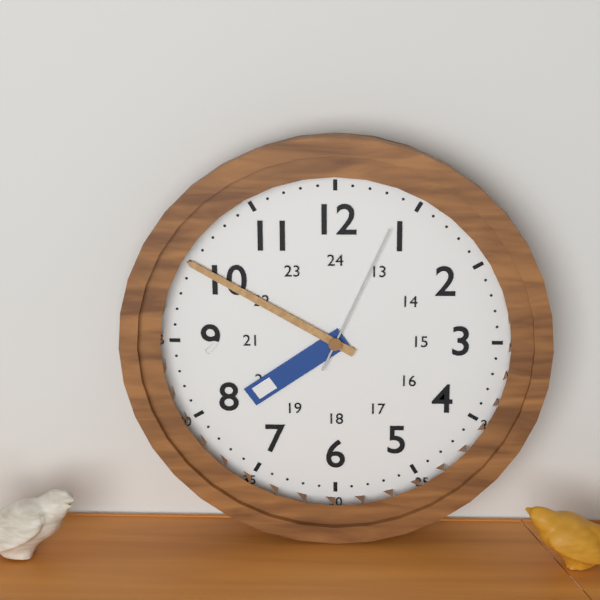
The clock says 7.50.04
